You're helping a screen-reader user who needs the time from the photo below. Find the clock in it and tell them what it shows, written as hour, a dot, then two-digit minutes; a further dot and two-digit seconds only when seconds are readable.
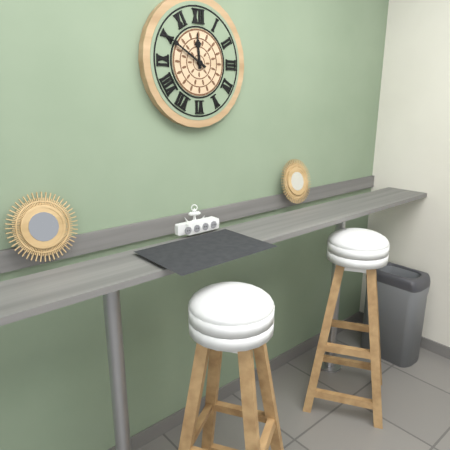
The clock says 11.50
